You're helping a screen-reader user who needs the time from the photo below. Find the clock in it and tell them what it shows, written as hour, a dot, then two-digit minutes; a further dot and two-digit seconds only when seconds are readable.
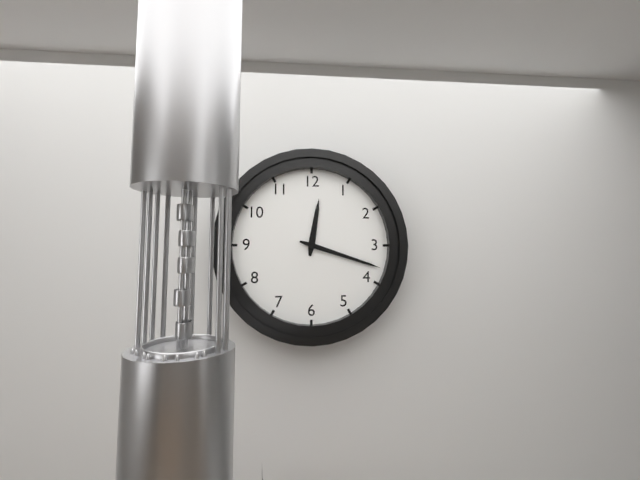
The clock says 12.18
